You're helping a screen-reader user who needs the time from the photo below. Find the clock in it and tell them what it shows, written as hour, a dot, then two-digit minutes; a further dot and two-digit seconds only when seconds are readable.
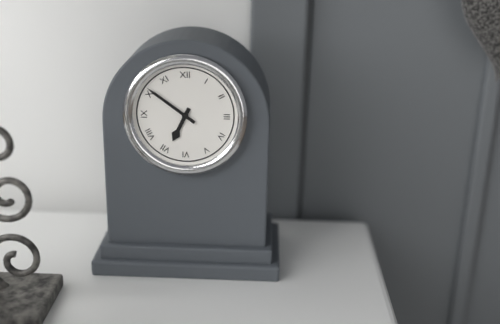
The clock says 6.51
